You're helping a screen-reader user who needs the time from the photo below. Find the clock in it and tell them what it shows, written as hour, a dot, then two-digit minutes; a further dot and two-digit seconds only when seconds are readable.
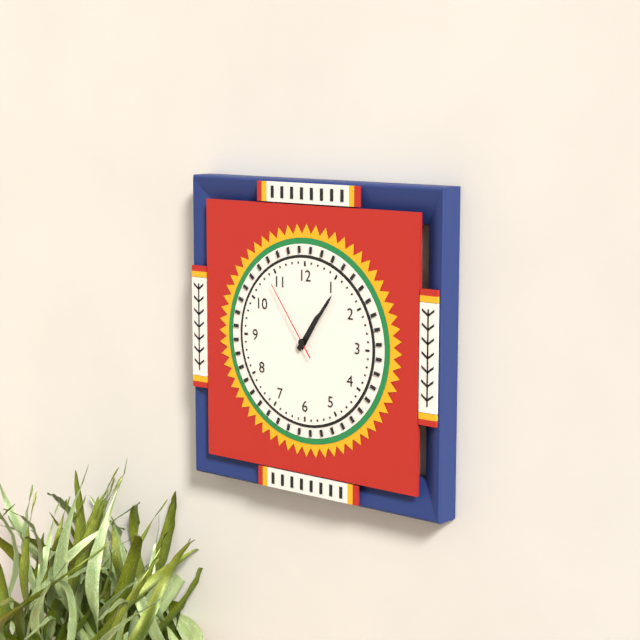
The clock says 1.06.54
